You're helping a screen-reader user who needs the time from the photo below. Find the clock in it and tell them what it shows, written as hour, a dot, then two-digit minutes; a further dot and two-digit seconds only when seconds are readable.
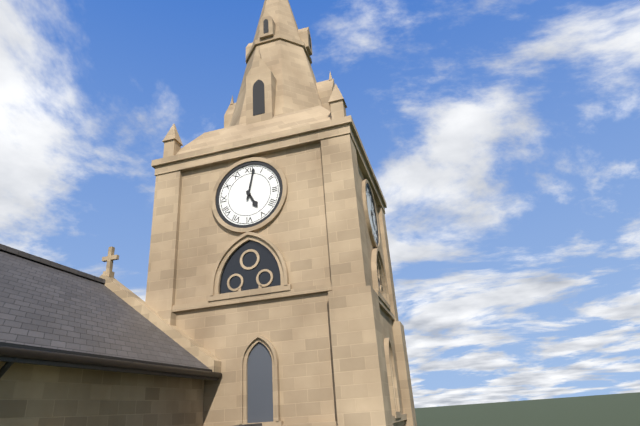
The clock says 5.02
